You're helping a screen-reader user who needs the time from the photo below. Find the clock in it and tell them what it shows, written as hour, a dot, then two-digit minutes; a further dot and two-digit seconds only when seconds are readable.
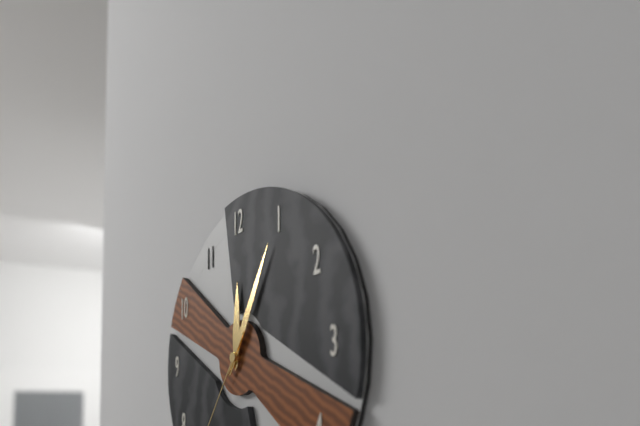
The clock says 12.05
